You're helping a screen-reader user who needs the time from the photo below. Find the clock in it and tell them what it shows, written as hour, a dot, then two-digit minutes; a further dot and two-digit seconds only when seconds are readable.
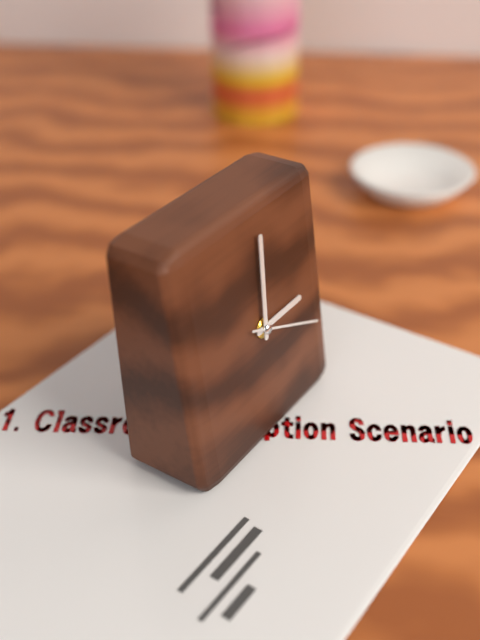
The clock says 3.01.19
